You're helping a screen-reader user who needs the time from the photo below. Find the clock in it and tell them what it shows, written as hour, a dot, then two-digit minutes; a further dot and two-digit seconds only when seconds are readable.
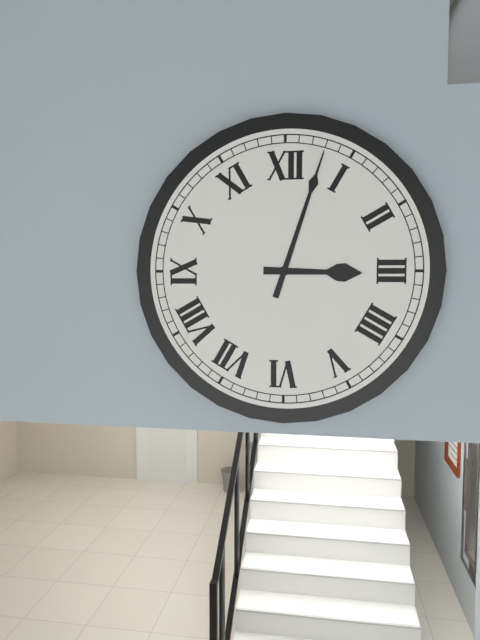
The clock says 3.03
